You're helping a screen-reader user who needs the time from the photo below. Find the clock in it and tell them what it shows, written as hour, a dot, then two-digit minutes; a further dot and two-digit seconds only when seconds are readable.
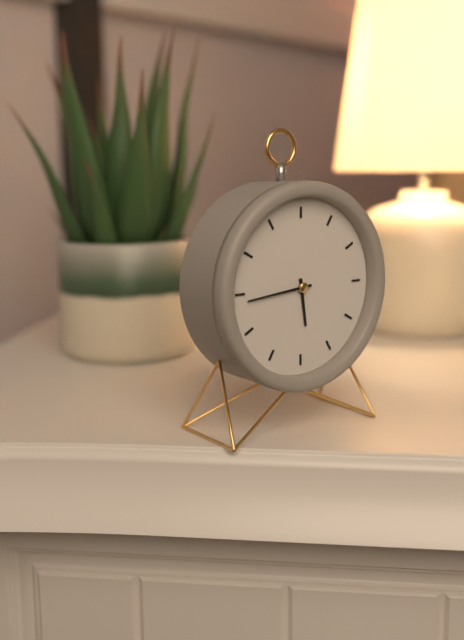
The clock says 5.44
